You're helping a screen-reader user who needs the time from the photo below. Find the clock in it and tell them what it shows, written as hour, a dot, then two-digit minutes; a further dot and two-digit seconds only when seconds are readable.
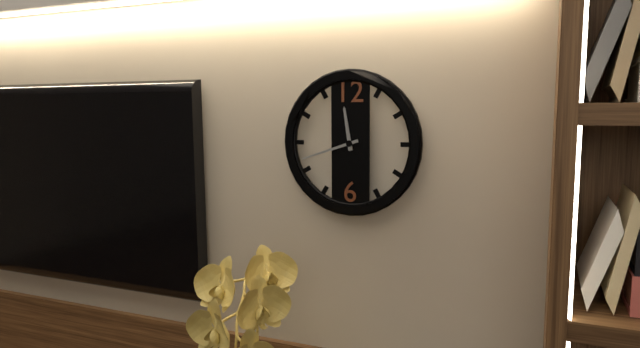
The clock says 11.42
